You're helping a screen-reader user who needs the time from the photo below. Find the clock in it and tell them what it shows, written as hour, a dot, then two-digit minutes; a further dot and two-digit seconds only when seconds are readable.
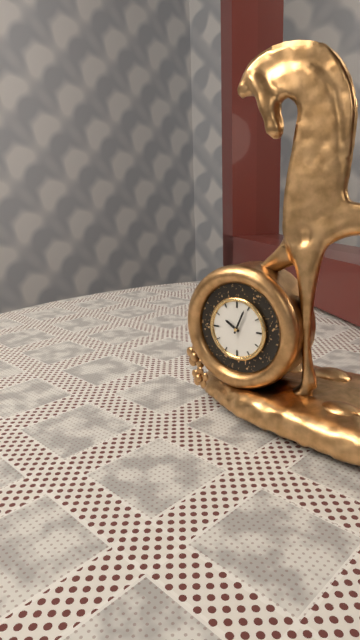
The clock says 10.04
